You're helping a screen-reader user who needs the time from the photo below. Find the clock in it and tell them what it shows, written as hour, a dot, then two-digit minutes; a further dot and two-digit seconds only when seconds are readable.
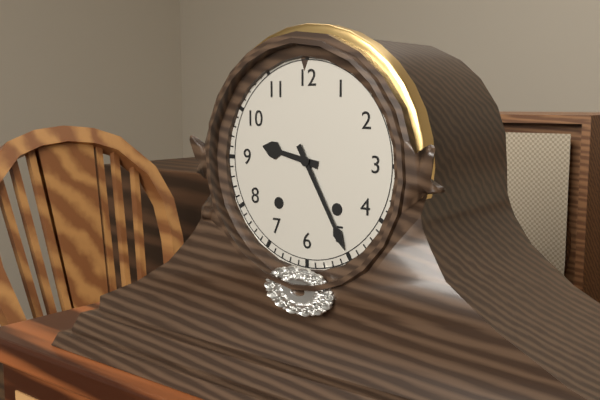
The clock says 9.25
